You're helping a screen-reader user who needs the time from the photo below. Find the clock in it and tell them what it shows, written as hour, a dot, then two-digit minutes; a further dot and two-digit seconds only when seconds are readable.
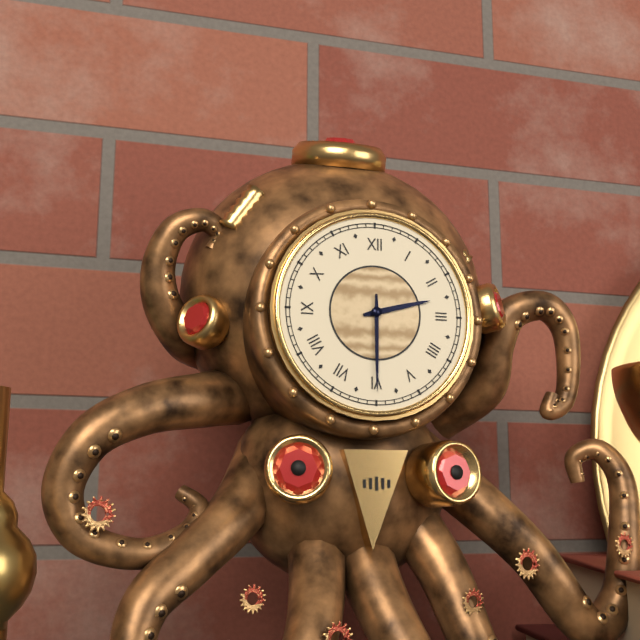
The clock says 2.30
